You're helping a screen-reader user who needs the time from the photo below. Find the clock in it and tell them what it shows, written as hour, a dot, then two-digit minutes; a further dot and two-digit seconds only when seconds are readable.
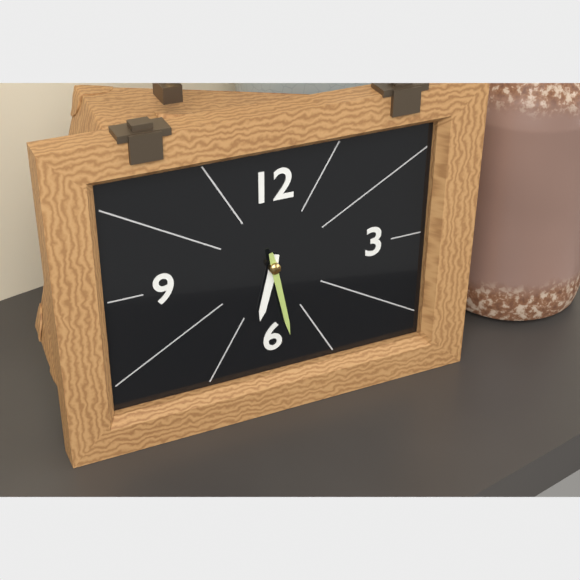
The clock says 6.28
